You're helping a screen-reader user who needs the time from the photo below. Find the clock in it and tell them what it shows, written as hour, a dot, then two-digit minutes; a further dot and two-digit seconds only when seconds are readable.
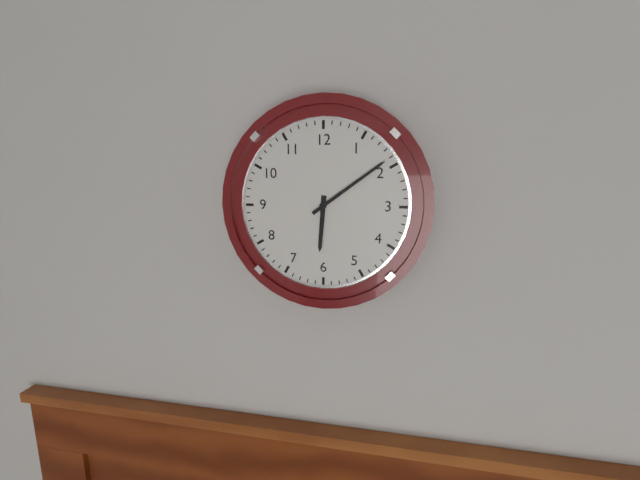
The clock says 6.09
